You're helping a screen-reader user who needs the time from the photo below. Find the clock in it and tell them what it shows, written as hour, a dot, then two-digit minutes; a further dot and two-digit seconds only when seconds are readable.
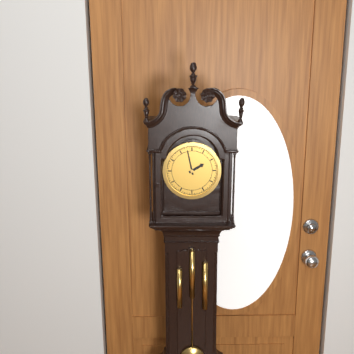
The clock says 1.58
